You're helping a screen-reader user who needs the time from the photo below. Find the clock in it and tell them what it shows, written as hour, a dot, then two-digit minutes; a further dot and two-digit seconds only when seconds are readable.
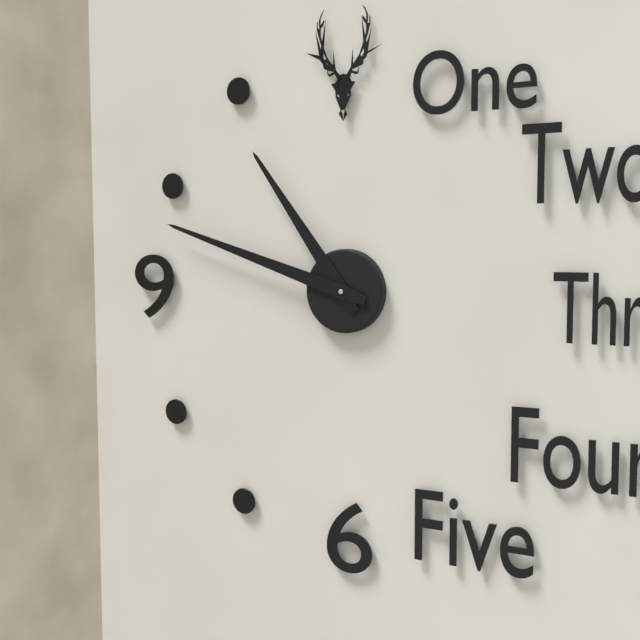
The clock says 10.48
